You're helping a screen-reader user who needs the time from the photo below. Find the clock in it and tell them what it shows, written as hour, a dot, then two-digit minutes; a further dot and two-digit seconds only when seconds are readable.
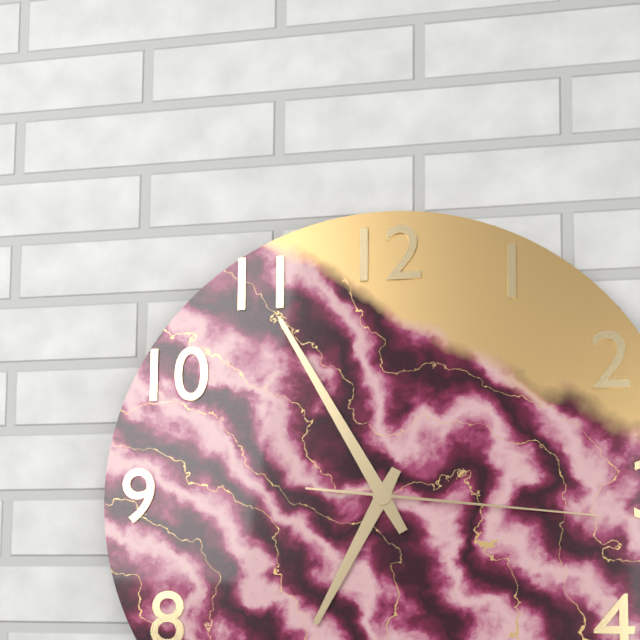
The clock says 6.55.16
